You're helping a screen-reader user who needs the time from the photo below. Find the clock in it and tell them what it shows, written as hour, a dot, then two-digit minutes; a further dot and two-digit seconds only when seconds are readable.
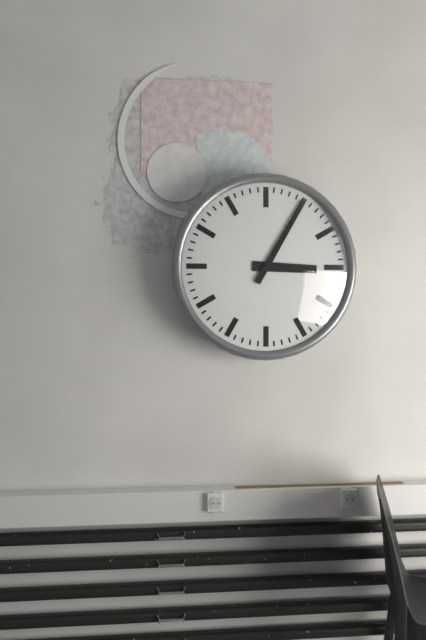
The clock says 3.05
